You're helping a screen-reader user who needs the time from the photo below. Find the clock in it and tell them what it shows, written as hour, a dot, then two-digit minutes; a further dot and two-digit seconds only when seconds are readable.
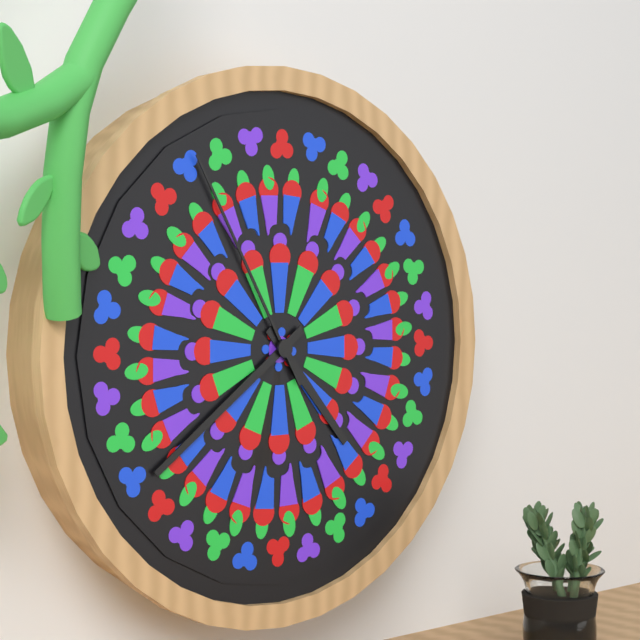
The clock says 4.39.55
